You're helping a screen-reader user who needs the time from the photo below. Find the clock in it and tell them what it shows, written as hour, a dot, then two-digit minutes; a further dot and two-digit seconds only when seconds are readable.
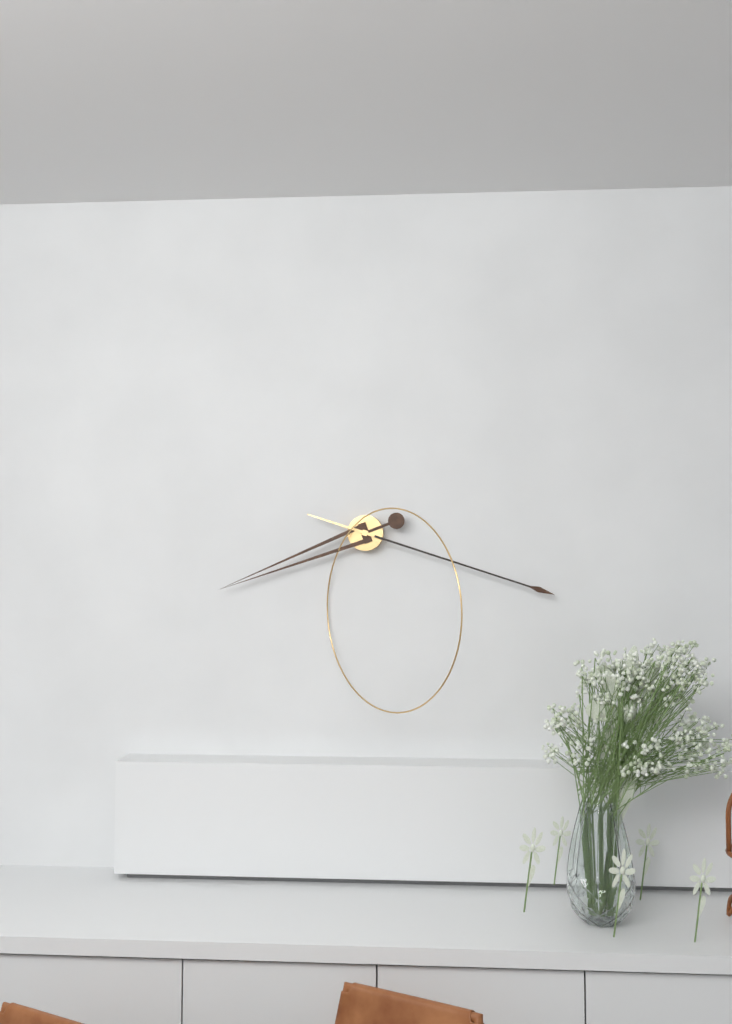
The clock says 8.18
